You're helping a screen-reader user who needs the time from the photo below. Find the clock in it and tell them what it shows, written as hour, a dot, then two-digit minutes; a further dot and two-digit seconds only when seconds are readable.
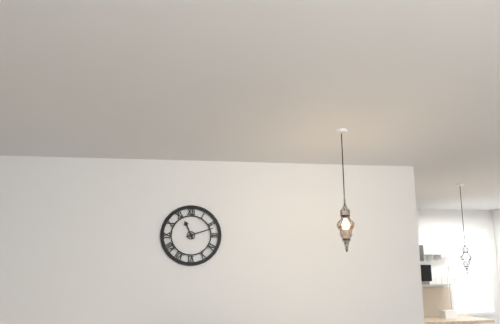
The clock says 11.12
